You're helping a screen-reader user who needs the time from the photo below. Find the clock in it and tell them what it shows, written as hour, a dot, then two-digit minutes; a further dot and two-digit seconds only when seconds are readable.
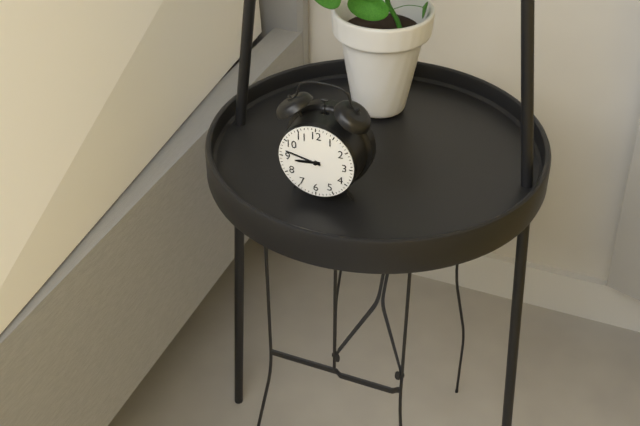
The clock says 8.47
